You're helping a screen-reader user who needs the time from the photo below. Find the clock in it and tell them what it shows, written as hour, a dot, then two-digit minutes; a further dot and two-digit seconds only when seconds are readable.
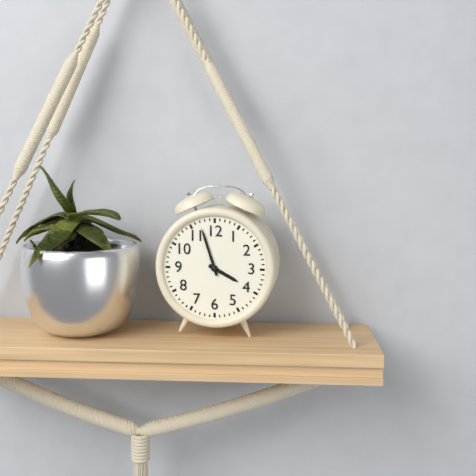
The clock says 3.57
